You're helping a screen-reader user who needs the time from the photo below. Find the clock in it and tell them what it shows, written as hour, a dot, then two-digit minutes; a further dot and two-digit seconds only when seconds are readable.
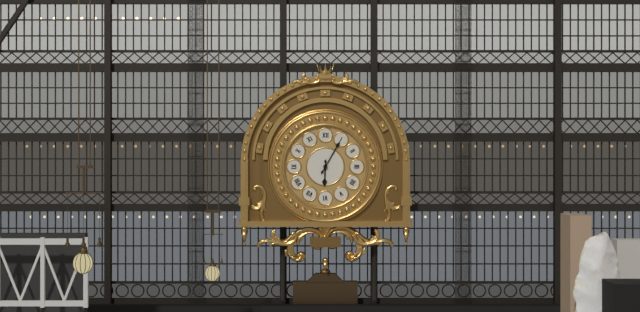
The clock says 6.05
